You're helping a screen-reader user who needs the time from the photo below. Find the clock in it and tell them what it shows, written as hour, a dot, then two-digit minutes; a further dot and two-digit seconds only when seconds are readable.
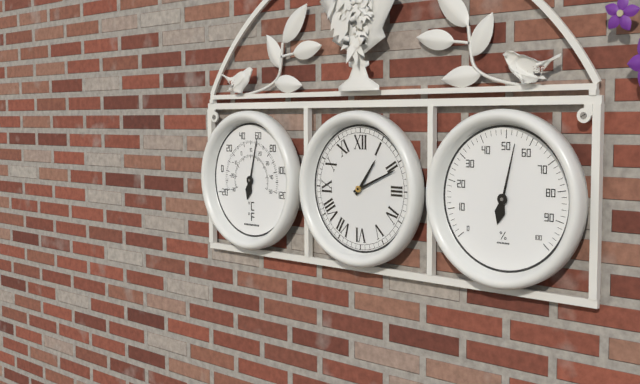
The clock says 1.11
